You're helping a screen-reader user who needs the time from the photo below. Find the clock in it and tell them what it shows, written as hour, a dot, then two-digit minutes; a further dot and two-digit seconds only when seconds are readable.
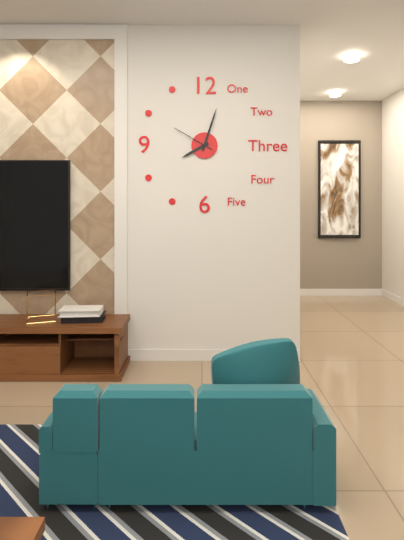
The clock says 8.03
